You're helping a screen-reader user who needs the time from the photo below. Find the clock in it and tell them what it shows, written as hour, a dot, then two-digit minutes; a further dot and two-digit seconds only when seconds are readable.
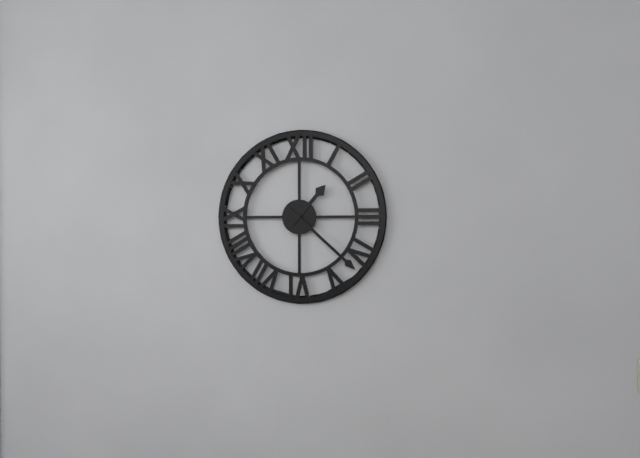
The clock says 1.22
